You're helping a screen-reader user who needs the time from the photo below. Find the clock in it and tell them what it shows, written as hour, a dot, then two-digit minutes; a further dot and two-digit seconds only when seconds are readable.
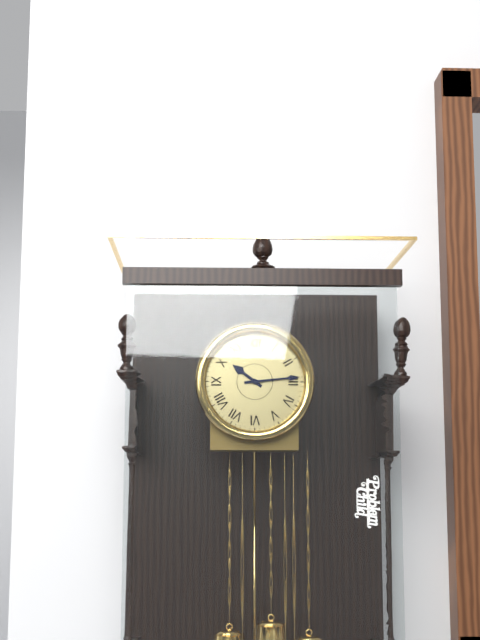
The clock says 10.14
